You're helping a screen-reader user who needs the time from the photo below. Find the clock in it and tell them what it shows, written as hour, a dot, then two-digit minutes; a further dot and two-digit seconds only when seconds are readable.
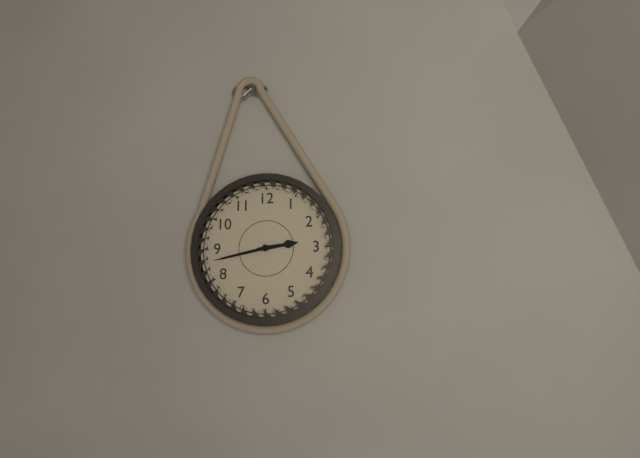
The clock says 2.43
